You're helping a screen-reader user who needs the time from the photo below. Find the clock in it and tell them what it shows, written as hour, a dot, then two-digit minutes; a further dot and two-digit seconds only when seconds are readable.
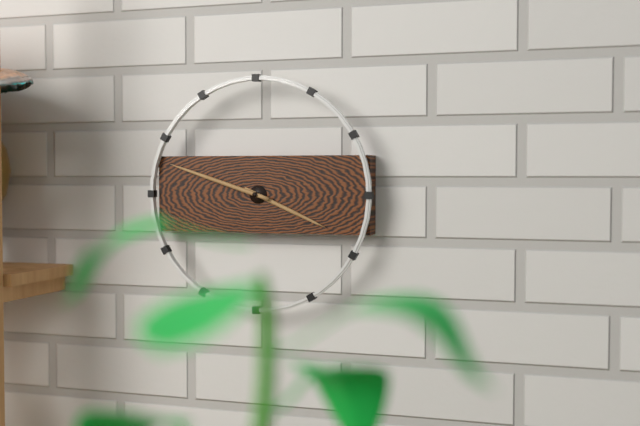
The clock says 3.48
